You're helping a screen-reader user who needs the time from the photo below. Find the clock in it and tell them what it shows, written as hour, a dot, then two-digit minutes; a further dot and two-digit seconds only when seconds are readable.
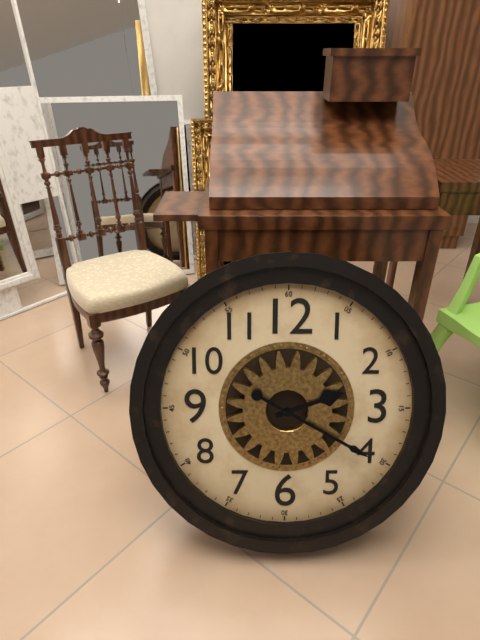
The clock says 2.20
